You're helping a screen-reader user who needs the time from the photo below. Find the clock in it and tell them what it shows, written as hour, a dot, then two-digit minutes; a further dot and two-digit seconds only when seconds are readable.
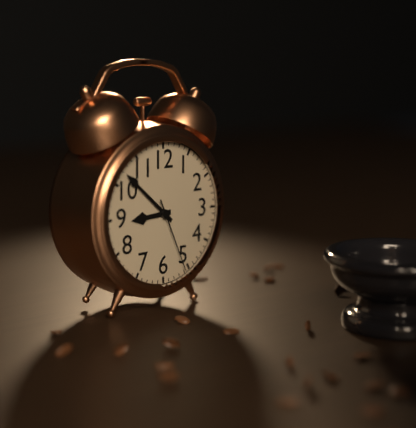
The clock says 8.52.26
